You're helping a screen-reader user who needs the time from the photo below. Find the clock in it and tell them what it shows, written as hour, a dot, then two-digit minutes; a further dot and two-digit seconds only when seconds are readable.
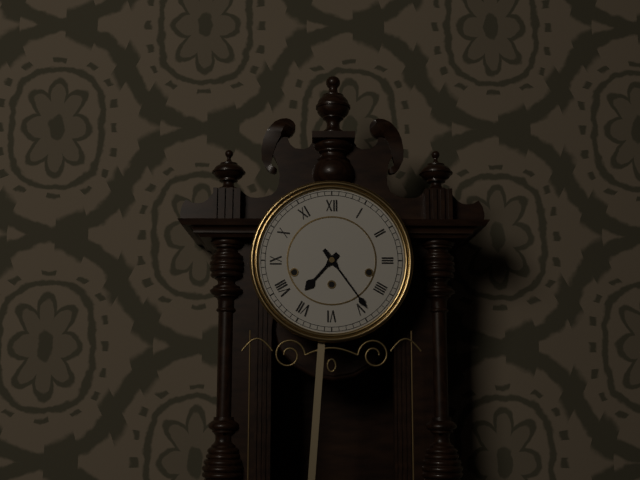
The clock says 7.24
